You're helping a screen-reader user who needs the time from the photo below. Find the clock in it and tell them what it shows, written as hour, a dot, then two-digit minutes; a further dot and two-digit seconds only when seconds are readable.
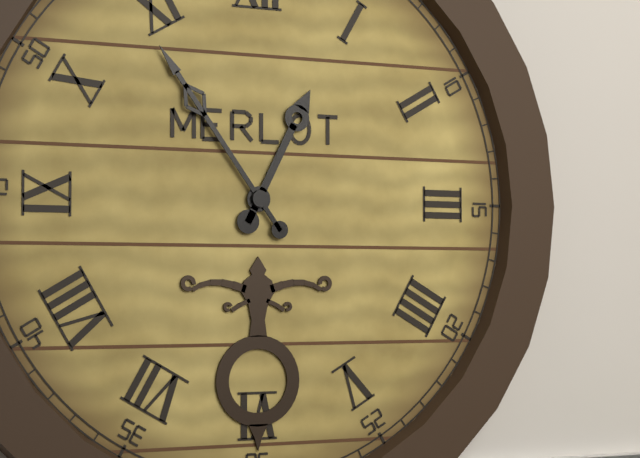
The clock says 12.54
